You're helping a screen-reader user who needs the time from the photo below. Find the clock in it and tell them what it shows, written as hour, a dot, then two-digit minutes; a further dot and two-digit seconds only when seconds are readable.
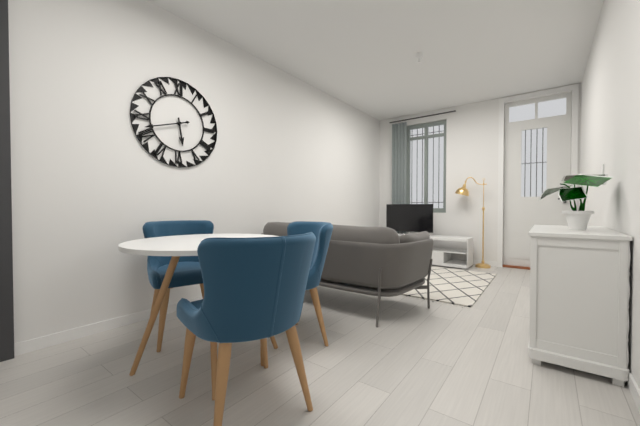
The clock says 5.42
